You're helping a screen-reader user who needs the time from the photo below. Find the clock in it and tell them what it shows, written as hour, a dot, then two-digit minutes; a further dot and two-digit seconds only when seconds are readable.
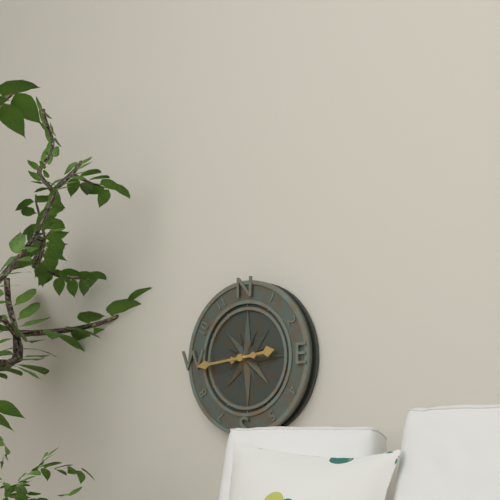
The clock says 2.44
